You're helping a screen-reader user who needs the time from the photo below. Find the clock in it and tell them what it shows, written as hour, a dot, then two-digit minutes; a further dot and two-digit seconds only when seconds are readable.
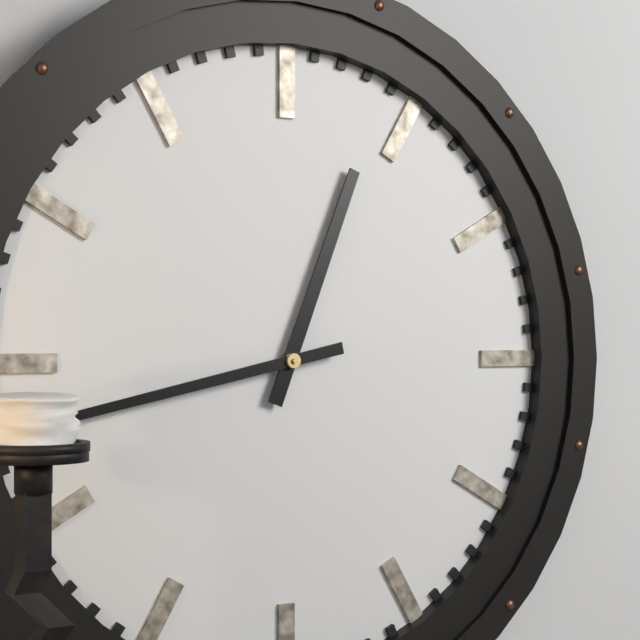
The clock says 12.43
